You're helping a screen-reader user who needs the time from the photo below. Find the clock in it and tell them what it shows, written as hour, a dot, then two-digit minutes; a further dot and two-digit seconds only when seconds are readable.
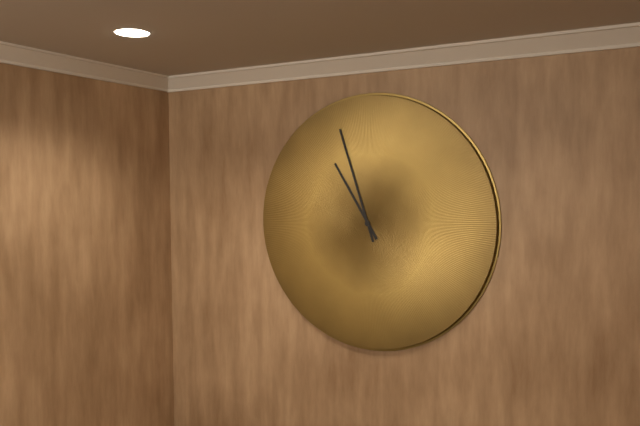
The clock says 10.57
